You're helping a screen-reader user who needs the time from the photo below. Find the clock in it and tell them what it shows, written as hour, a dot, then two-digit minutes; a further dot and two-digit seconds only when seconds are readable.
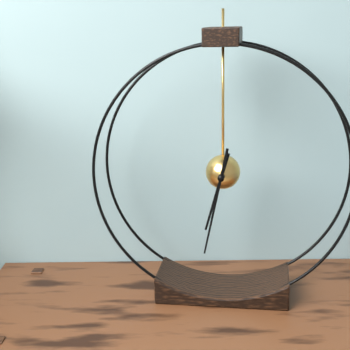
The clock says 6.32
